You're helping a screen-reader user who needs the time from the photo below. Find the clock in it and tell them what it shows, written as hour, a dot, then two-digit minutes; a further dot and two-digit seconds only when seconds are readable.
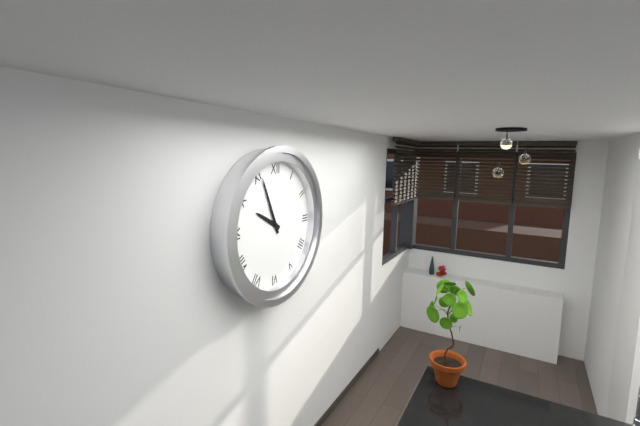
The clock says 9.56
